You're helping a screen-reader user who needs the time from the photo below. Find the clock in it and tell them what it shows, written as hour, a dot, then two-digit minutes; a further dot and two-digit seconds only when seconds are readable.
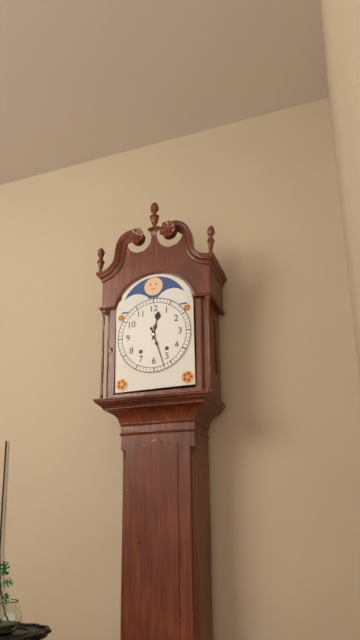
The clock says 12.27
